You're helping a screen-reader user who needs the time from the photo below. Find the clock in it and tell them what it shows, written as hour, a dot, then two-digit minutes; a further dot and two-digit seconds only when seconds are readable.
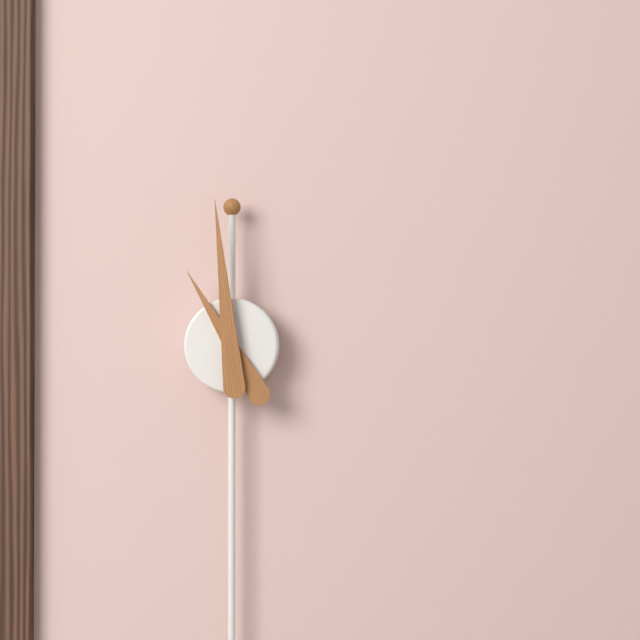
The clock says 10.59
